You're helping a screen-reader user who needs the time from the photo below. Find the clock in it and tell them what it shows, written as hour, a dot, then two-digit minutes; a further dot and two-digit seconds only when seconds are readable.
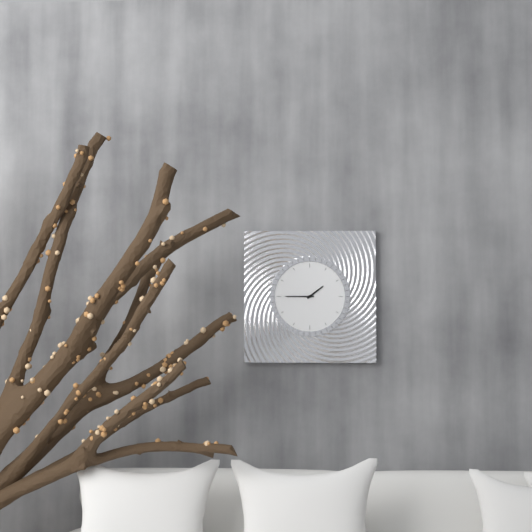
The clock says 1.45
